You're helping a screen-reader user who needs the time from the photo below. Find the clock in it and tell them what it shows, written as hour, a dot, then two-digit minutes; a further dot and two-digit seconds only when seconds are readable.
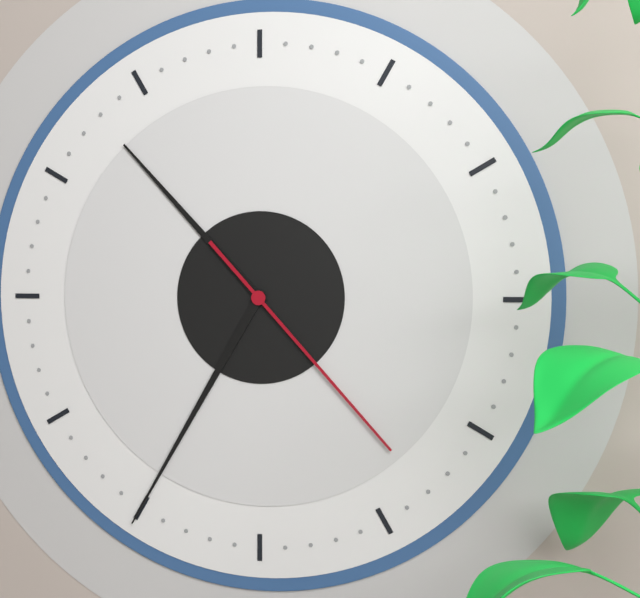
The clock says 10.35.23
